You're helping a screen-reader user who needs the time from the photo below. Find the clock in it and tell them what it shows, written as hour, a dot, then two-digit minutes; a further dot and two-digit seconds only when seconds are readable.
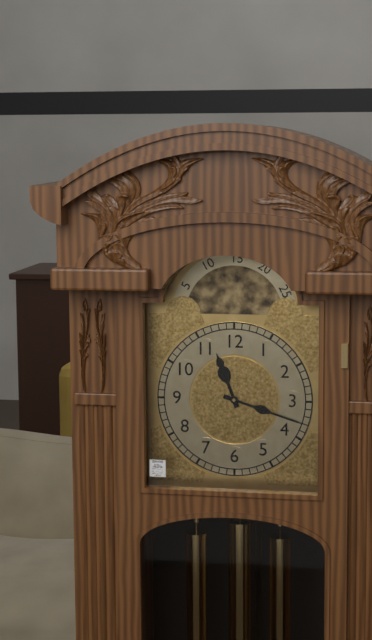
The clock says 11.18
